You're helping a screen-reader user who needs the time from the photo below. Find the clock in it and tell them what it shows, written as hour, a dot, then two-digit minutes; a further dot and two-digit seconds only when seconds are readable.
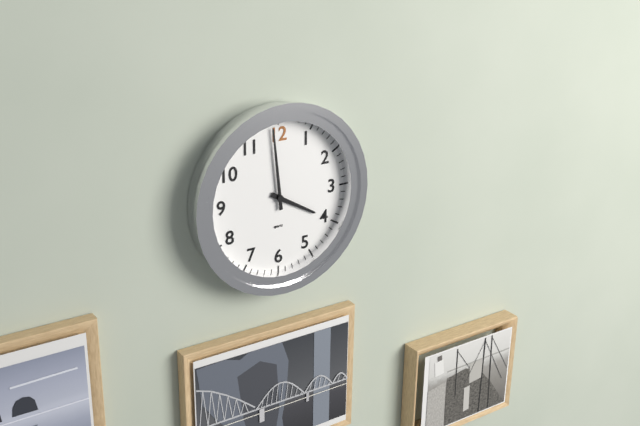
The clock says 3.59
